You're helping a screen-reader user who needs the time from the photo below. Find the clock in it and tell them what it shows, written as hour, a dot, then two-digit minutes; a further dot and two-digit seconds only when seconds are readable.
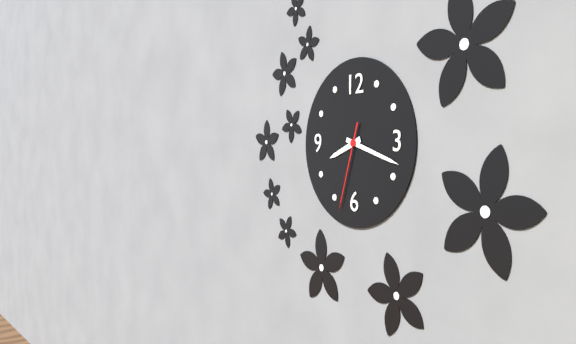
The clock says 8.18.33
